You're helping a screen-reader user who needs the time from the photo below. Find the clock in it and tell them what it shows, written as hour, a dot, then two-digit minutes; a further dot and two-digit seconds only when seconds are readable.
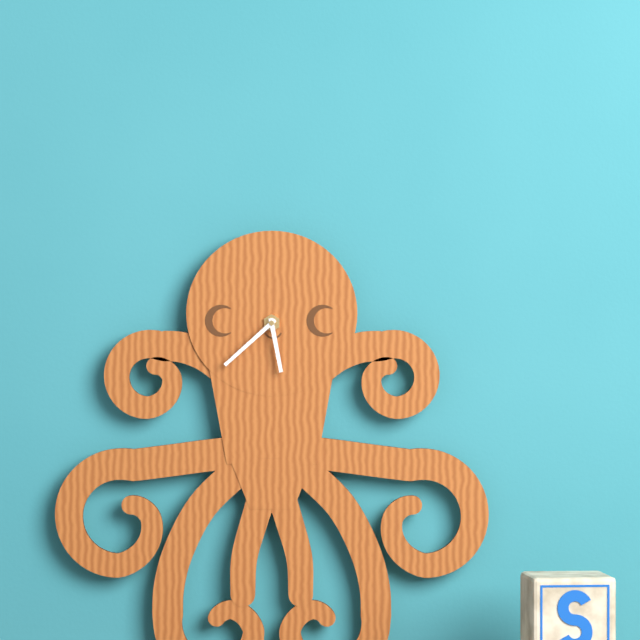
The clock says 5.38
